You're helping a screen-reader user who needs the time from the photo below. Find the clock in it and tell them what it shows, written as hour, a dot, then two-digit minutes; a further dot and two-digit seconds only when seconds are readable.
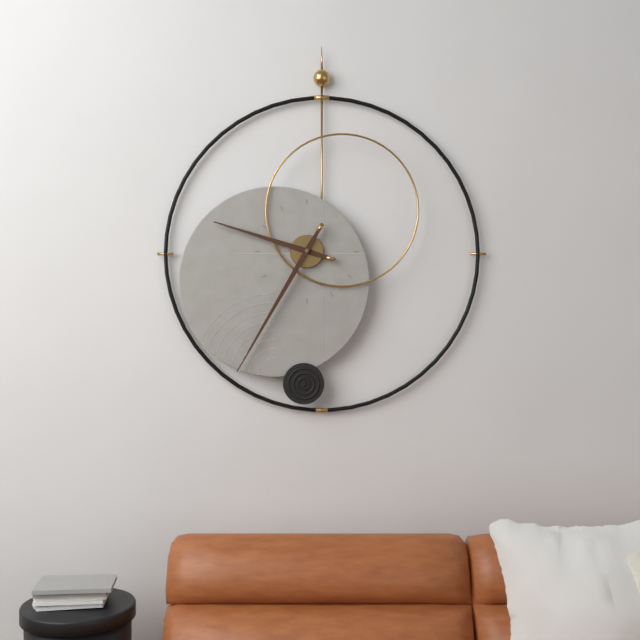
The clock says 9.35
